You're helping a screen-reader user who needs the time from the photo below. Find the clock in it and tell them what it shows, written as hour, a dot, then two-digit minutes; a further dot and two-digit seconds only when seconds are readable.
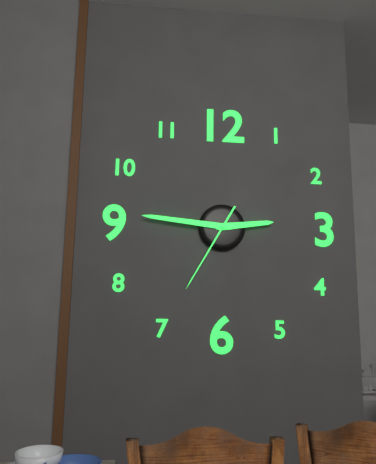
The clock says 2.46.35
